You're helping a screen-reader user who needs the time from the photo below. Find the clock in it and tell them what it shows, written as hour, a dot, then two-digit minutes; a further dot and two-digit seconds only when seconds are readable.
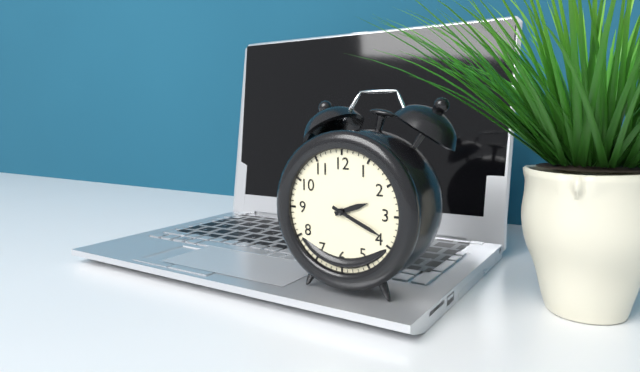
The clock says 2.19
